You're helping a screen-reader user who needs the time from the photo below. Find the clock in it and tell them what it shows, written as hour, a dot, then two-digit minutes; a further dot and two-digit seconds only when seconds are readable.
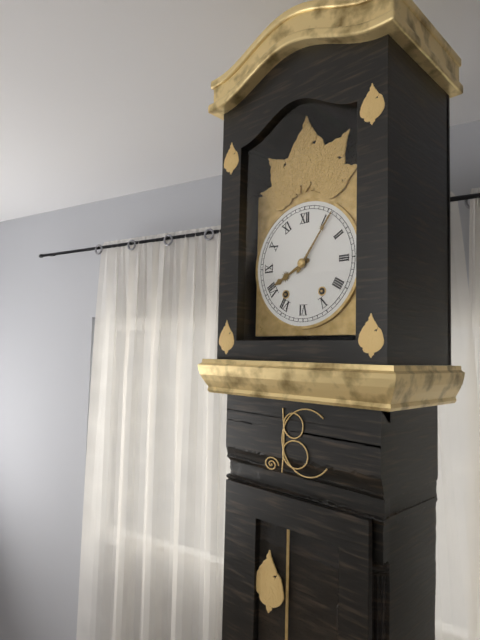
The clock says 8.06
